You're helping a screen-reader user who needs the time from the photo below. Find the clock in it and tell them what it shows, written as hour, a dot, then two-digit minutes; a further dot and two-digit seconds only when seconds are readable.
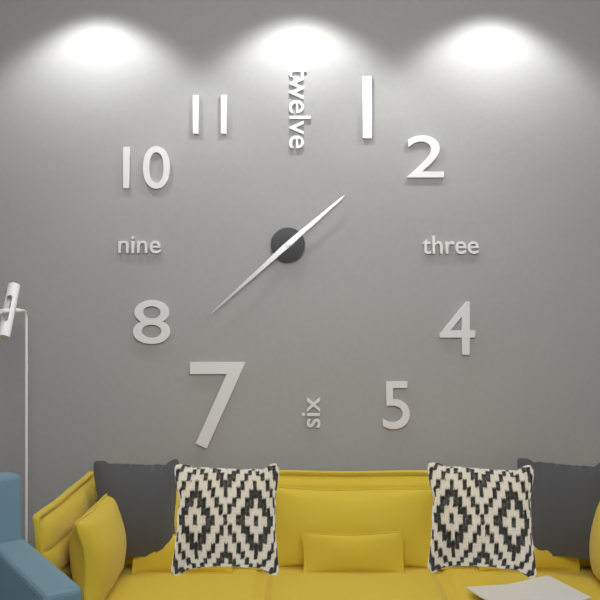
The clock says 1.38
